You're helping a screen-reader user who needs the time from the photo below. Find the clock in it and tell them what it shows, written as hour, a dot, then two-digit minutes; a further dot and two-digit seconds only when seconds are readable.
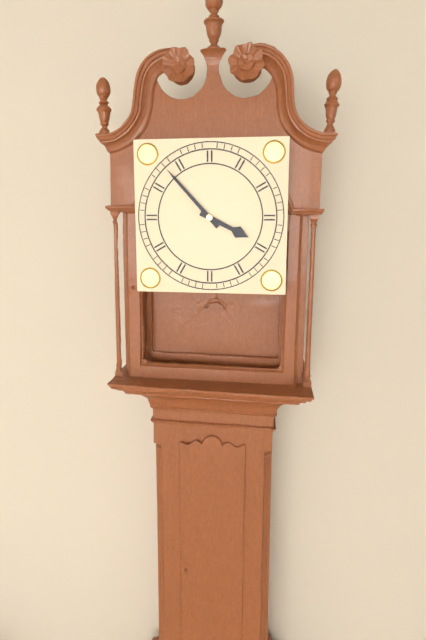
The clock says 3.53
